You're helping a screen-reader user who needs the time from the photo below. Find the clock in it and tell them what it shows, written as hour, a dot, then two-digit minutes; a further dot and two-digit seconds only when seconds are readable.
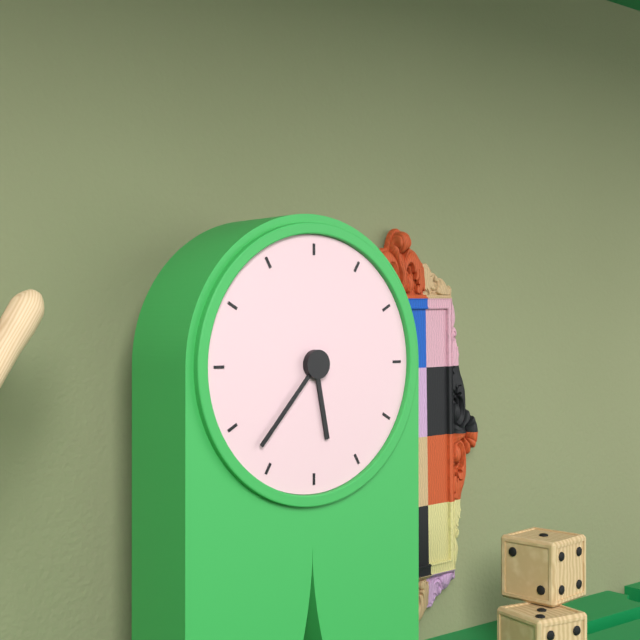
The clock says 5.37
